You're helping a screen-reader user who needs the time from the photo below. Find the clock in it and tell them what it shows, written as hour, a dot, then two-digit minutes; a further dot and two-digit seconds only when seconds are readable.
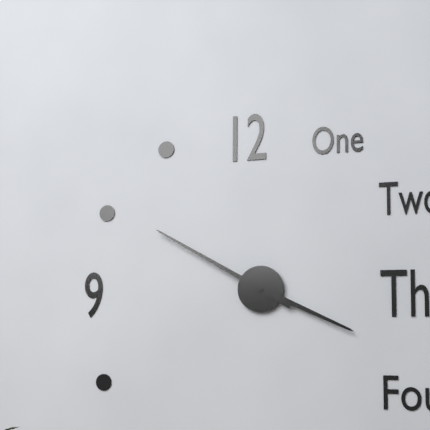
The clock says 3.50
